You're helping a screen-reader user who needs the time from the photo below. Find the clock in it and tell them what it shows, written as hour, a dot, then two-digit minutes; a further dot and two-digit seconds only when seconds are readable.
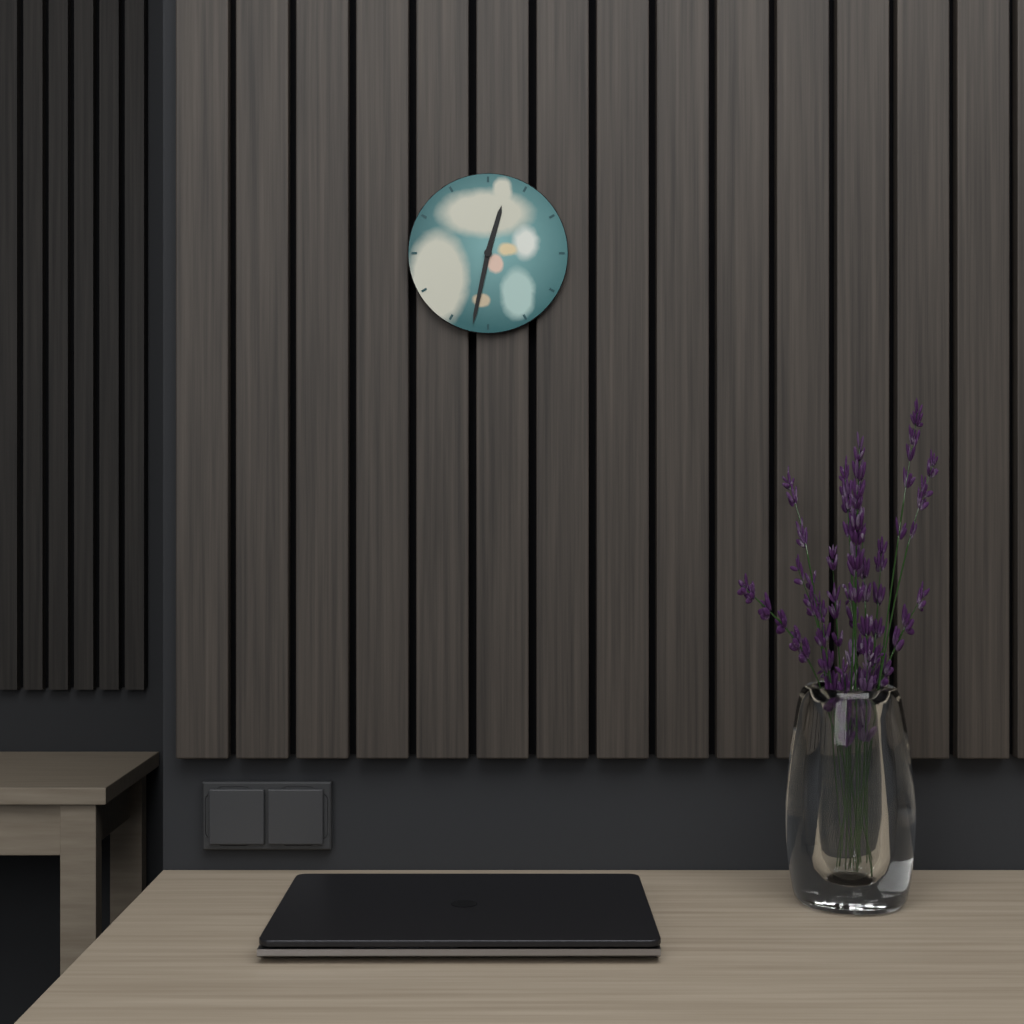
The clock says 12.32
